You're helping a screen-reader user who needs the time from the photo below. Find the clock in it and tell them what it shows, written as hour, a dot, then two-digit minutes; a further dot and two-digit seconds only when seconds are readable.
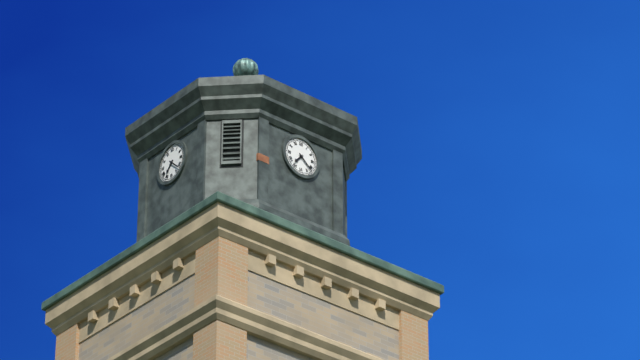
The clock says 7.22
